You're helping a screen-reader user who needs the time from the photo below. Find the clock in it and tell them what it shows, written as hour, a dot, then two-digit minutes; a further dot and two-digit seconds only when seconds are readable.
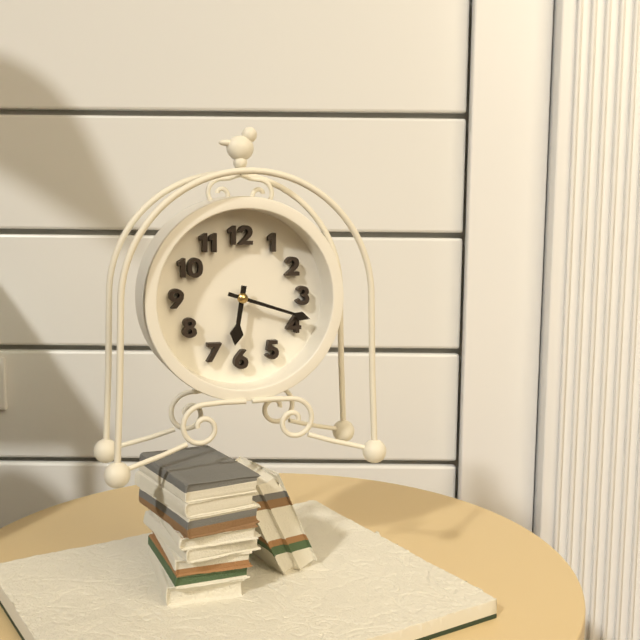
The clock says 6.18
